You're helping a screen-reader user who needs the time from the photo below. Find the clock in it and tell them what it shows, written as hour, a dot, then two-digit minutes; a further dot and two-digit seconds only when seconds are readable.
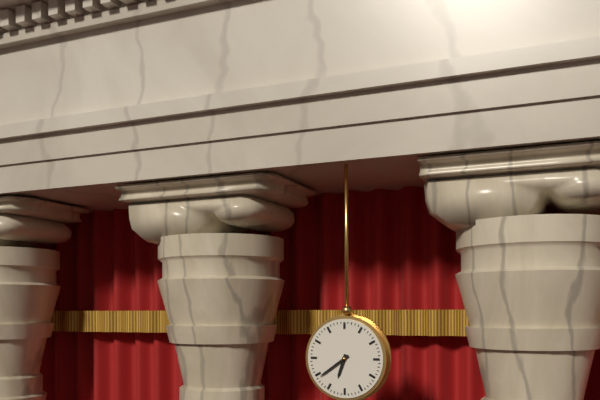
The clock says 6.39
